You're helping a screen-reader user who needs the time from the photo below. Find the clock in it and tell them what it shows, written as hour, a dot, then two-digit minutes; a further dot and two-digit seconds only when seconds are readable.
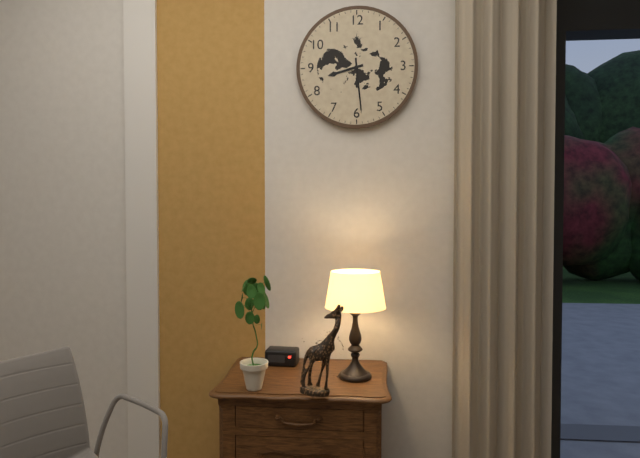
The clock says 8.29
